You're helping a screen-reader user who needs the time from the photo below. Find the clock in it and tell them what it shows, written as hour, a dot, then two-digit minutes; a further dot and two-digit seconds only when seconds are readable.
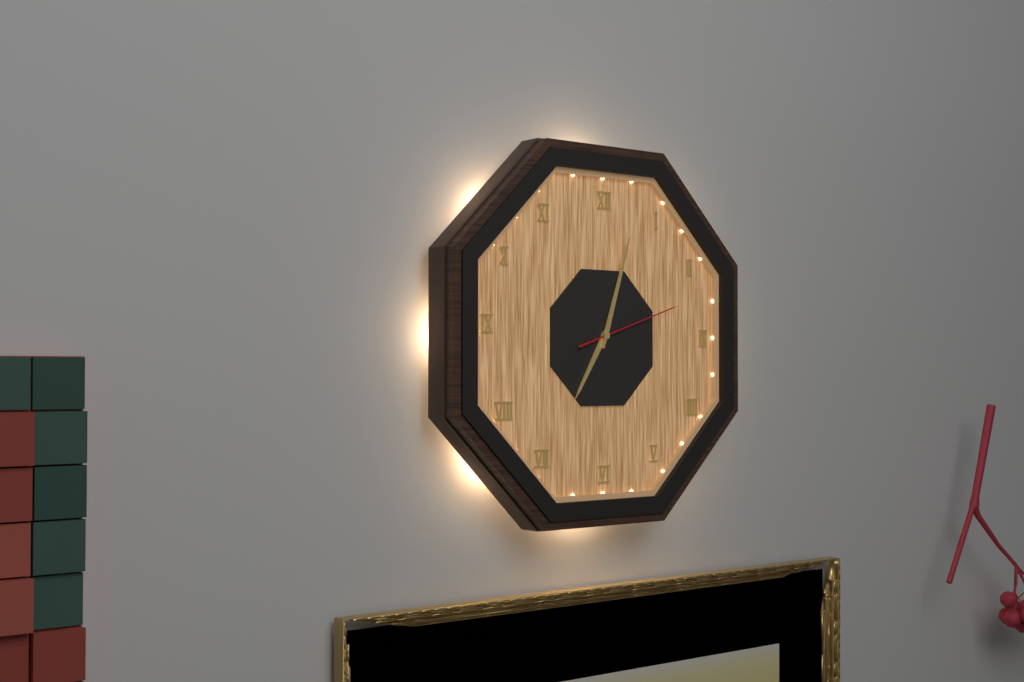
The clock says 7.03.12
